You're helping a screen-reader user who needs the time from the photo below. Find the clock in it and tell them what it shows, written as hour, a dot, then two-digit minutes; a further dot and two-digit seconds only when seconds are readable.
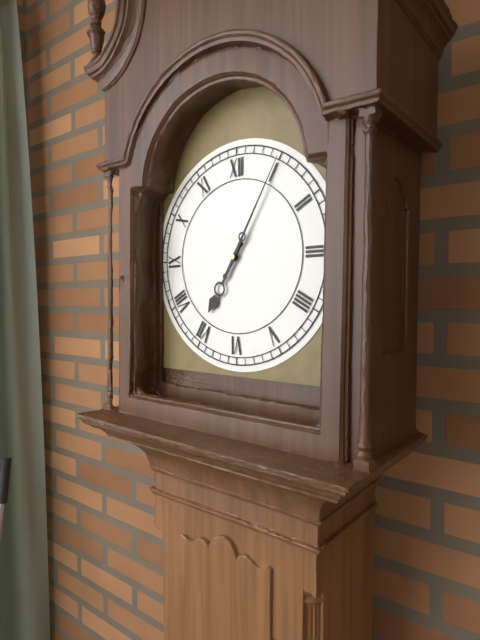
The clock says 7.05
